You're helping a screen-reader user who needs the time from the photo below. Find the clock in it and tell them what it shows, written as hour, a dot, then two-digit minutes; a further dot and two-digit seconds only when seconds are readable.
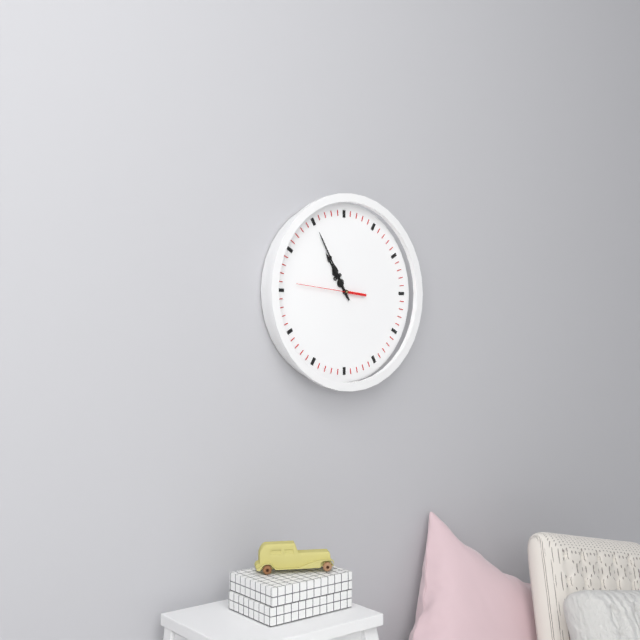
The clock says 10.55.46
